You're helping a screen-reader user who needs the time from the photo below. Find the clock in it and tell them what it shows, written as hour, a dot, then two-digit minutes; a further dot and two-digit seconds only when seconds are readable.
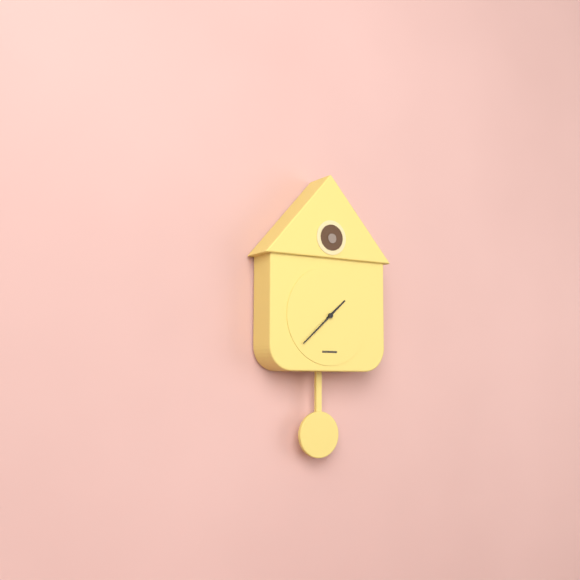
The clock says 1.38
